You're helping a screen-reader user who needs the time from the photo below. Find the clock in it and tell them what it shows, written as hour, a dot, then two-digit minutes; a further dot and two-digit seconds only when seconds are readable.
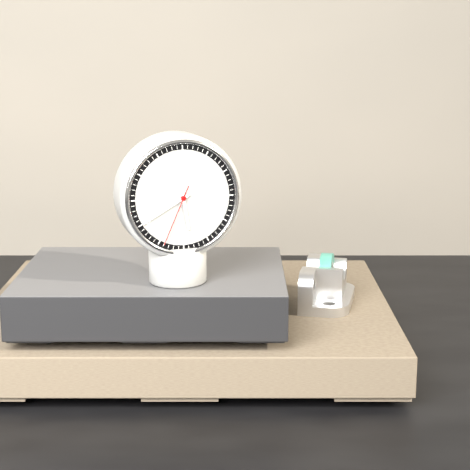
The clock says 5.40.34
